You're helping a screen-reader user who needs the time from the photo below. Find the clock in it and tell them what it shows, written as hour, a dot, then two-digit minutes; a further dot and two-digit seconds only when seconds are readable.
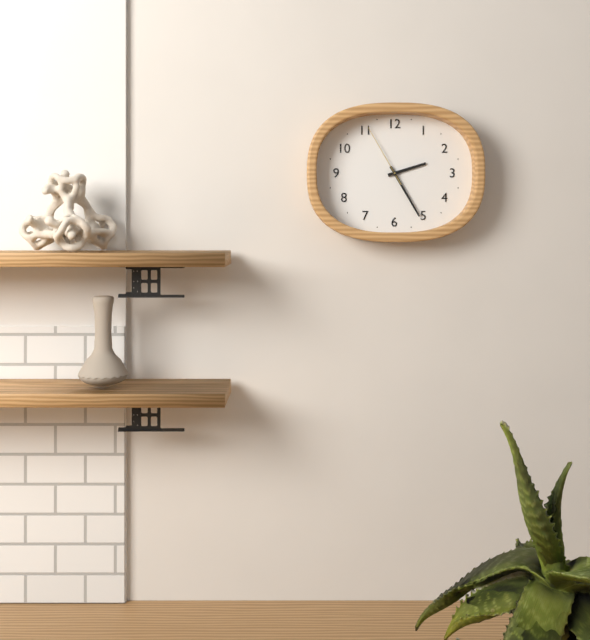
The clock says 2.25.55
